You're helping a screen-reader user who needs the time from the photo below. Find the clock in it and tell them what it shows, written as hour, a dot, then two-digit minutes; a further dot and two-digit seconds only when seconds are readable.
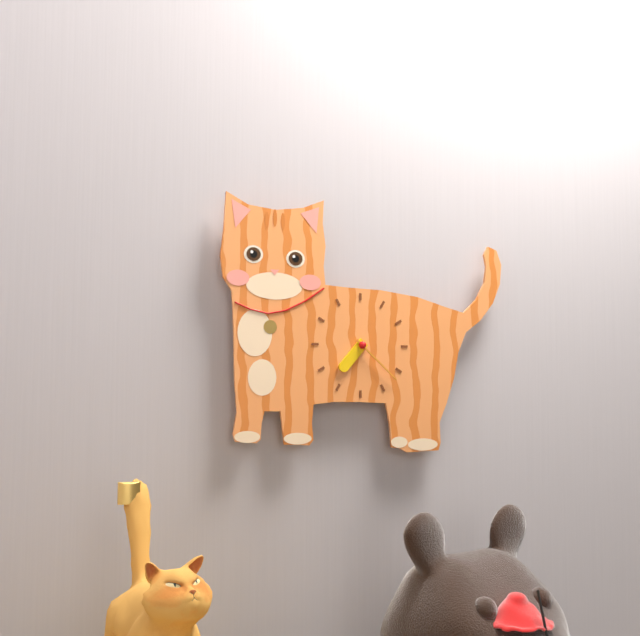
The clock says 7.22
